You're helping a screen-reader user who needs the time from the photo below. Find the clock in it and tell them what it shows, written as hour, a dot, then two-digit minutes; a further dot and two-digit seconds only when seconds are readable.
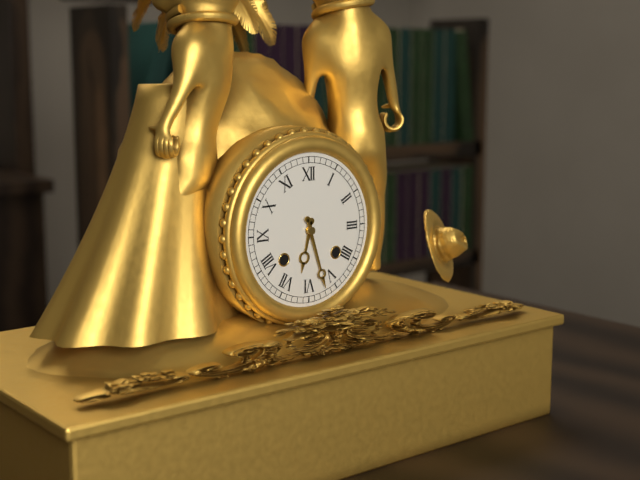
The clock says 6.27
